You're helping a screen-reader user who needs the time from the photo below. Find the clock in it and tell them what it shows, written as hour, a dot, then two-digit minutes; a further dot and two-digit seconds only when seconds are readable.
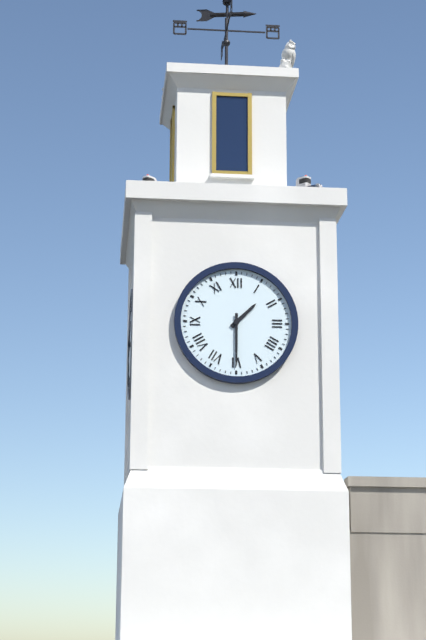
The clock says 1.30
